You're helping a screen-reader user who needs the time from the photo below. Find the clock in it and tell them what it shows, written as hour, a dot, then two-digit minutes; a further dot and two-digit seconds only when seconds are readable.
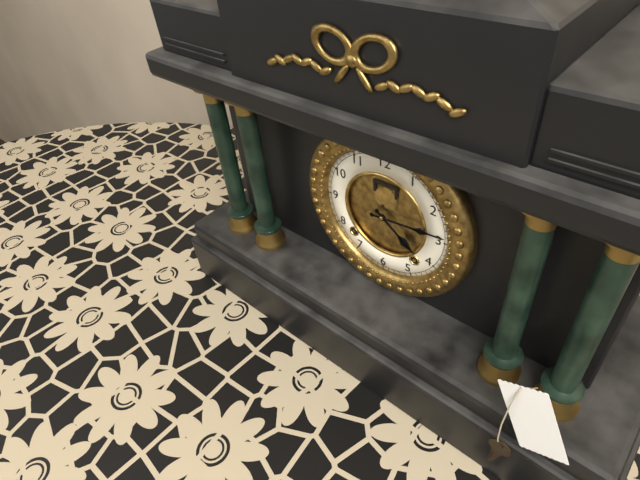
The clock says 4.14
